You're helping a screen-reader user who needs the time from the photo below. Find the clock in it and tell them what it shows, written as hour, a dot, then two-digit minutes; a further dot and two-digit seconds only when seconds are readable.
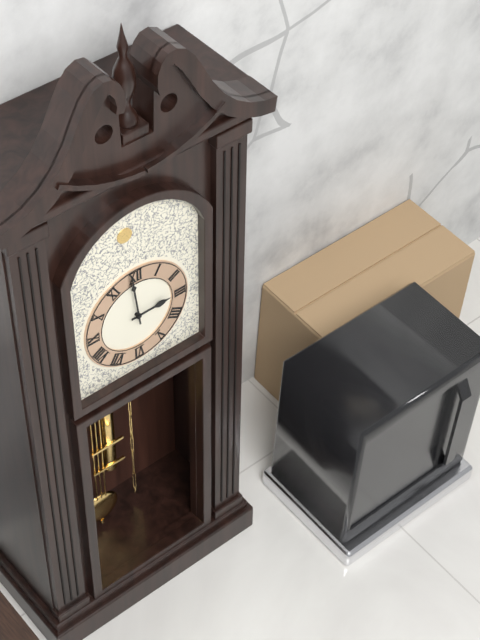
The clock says 2.59
